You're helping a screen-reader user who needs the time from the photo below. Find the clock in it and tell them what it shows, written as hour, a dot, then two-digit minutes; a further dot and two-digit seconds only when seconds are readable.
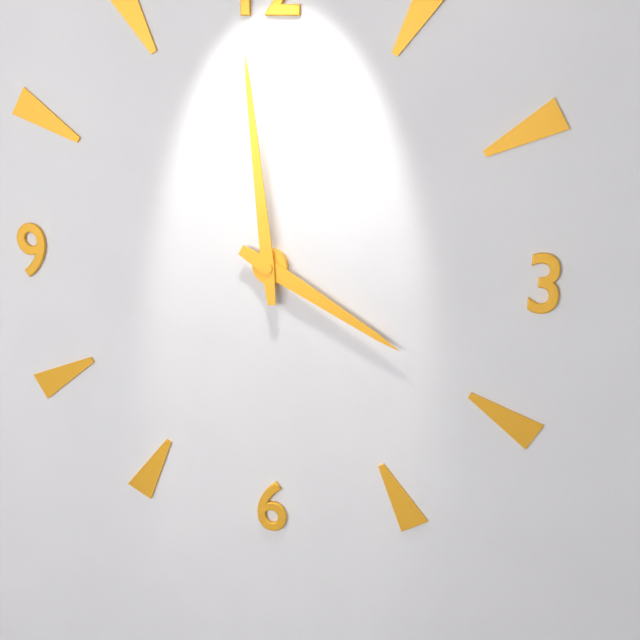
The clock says 3.59
